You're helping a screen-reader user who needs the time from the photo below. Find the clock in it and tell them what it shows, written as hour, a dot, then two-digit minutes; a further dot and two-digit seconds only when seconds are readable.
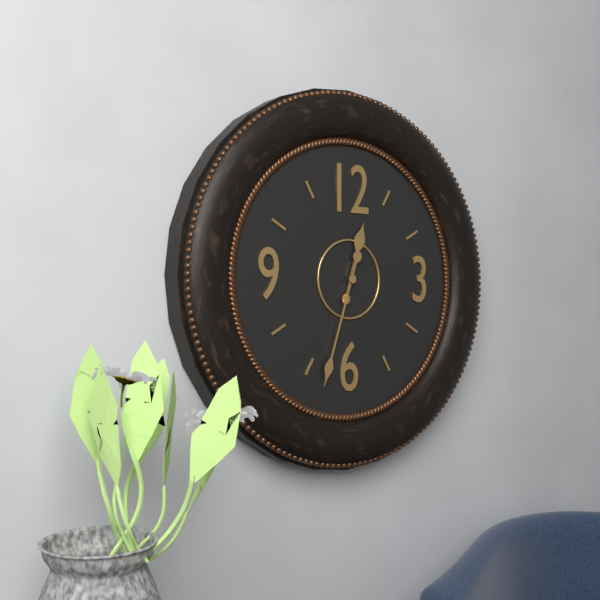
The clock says 12.33
